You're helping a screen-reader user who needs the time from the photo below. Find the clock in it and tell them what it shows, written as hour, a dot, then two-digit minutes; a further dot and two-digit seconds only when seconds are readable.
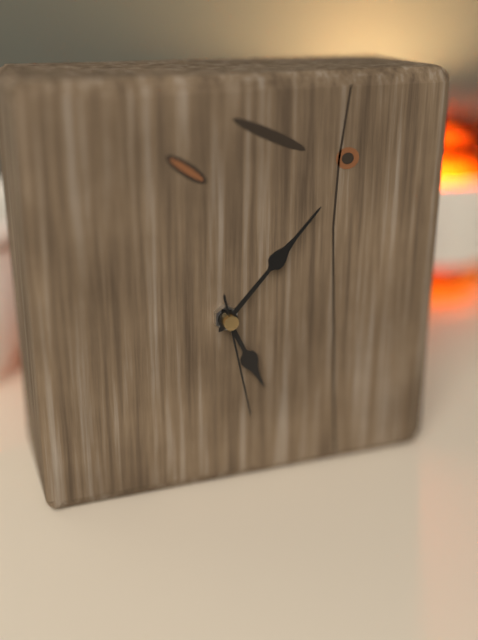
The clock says 5.07.28
